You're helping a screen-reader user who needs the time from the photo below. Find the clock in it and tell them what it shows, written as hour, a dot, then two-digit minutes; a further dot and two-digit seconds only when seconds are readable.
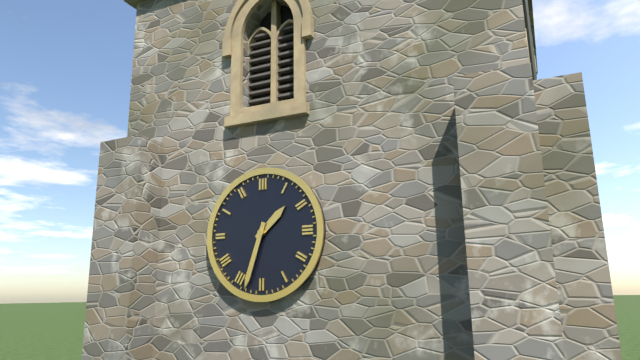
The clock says 1.33
